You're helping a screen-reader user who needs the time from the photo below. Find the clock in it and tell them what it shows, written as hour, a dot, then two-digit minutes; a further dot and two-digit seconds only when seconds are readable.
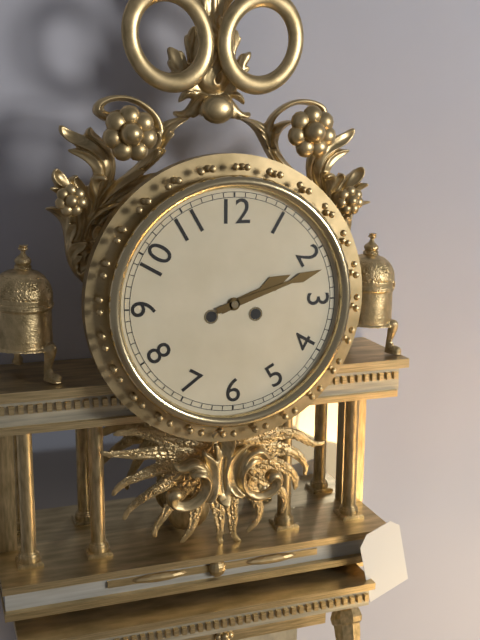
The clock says 2.12
